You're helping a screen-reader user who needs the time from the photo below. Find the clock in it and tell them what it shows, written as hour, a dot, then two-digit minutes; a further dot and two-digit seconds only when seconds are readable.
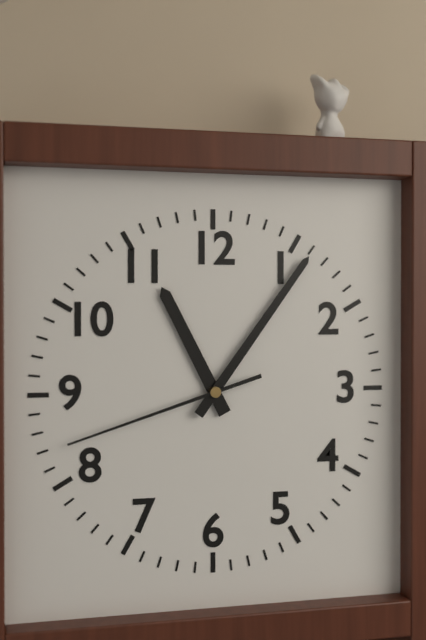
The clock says 11.06.42
